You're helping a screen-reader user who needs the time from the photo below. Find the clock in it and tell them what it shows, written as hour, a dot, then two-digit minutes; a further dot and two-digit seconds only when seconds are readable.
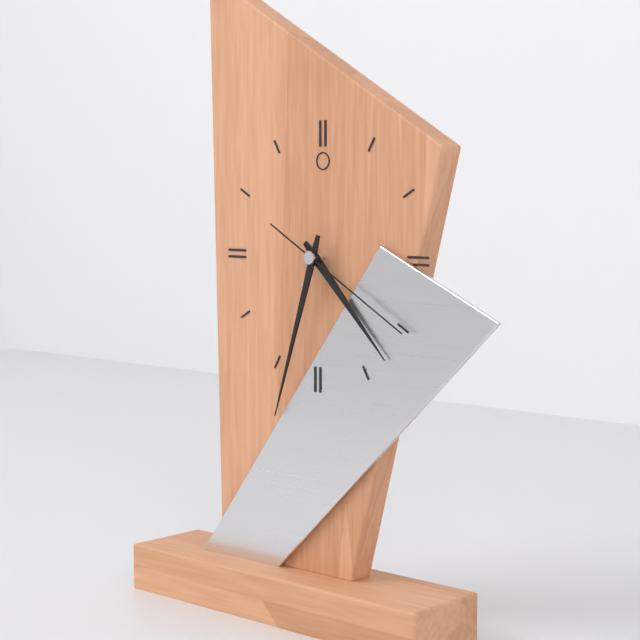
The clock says 4.33.20
